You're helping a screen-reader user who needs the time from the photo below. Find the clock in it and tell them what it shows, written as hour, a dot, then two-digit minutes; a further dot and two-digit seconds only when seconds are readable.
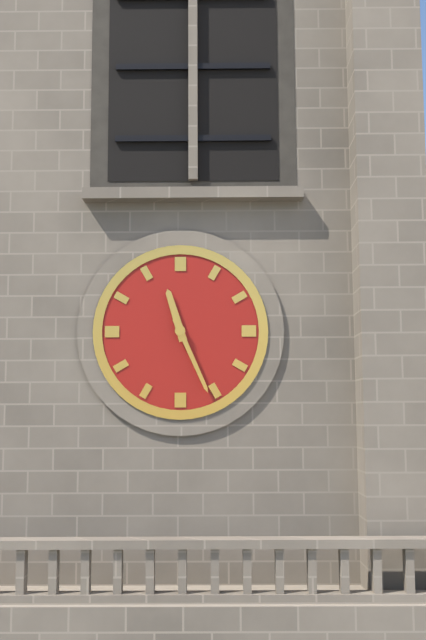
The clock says 11.26
